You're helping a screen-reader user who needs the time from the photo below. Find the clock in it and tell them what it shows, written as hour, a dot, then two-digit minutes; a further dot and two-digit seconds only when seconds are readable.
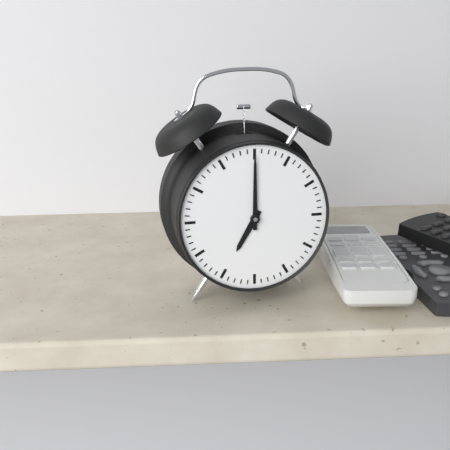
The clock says 7.00
